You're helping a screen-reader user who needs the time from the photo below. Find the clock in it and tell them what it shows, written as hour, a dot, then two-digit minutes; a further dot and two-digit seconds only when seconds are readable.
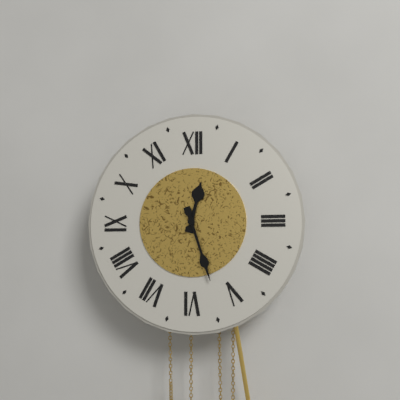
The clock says 12.27
